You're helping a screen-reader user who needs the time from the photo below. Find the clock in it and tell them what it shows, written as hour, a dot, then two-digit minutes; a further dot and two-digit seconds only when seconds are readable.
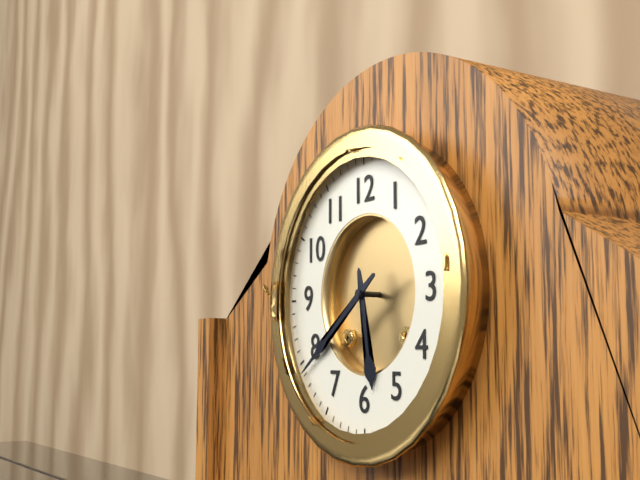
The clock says 5.39
